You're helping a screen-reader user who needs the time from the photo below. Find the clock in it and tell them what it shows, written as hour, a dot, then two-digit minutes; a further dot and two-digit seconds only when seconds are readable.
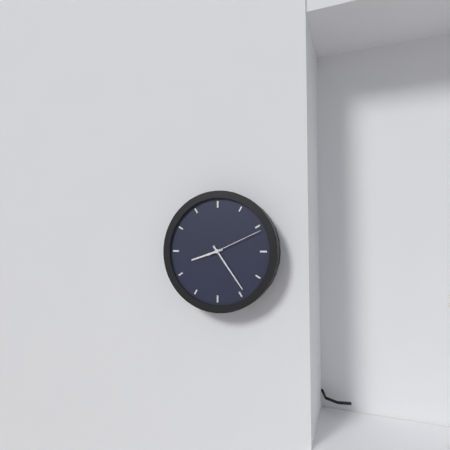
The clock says 8.24.11
